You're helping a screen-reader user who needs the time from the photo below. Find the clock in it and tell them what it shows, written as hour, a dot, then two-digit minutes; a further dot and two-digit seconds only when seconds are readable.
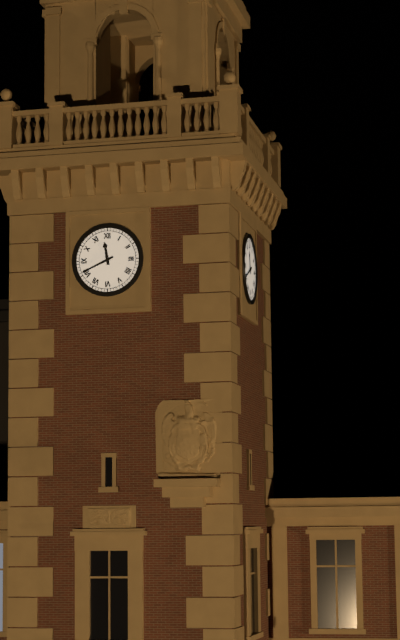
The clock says 11.41
